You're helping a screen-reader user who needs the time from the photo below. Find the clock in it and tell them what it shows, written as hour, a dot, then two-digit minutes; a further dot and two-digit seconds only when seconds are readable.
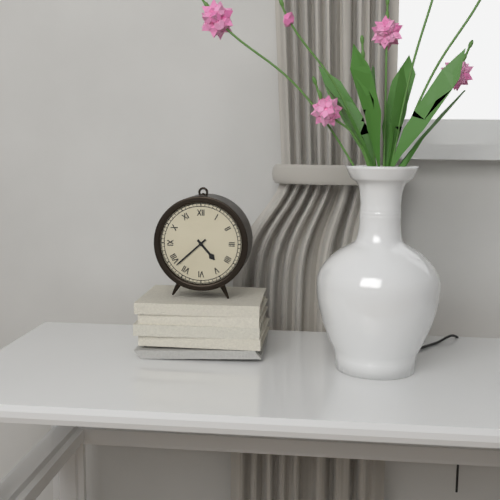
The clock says 4.38
